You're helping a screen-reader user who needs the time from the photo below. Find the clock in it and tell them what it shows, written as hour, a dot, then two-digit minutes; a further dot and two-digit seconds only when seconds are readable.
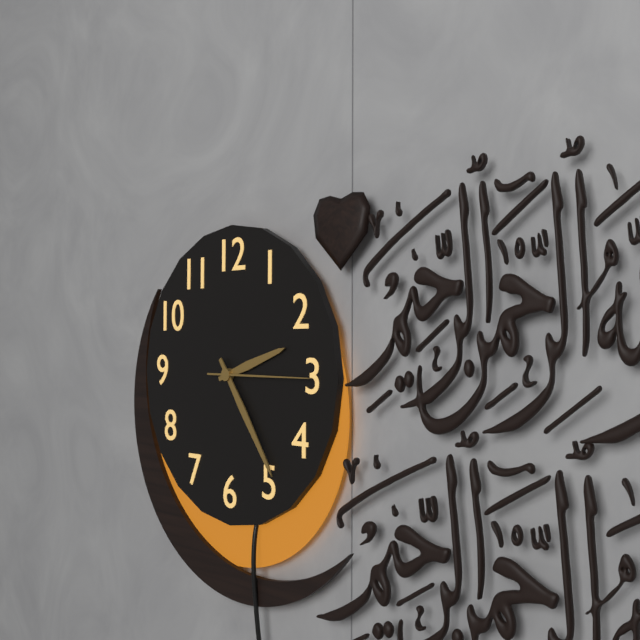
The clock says 2.24.15
